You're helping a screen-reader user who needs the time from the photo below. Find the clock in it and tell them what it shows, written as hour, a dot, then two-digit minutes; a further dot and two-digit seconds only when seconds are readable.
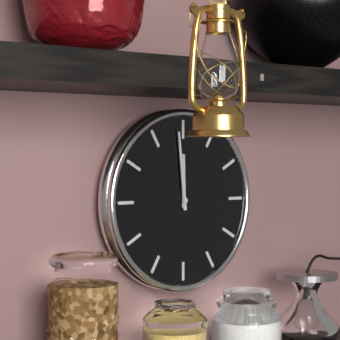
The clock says 11.59
